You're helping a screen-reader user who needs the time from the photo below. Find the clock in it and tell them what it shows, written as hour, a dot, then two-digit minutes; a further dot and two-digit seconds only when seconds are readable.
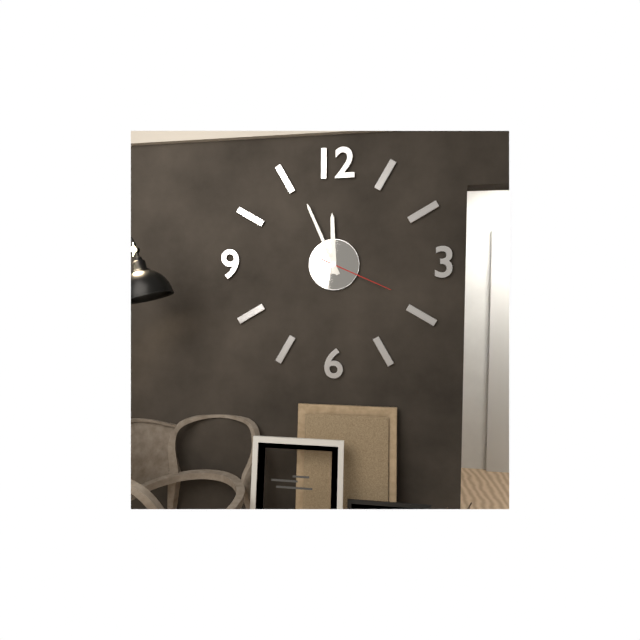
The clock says 11.56.19
